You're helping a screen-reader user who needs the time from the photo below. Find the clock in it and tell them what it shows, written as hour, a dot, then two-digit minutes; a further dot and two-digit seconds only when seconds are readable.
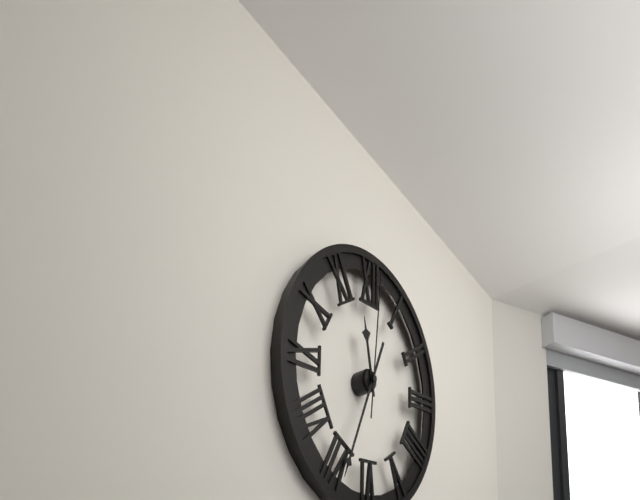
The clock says 11.34.01
